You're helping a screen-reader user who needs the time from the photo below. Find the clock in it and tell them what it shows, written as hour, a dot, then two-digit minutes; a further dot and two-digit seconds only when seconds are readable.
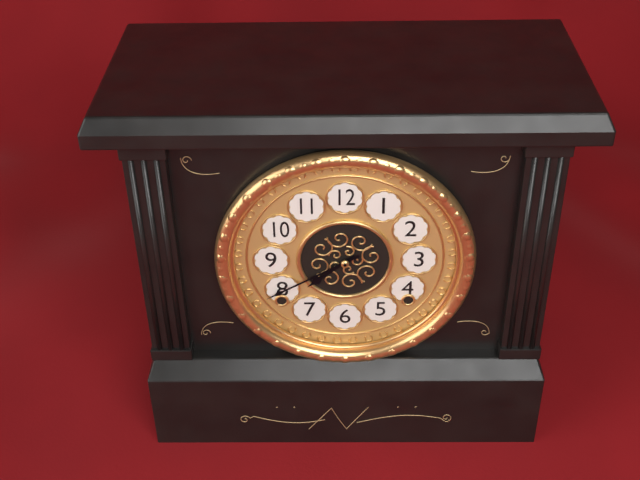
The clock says 7.40
